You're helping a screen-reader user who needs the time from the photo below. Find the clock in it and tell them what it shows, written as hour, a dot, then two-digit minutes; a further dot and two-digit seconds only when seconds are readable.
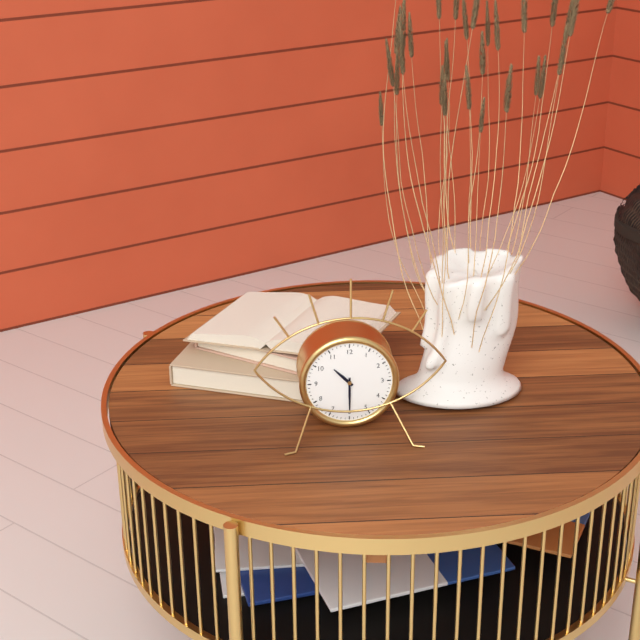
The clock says 10.30
